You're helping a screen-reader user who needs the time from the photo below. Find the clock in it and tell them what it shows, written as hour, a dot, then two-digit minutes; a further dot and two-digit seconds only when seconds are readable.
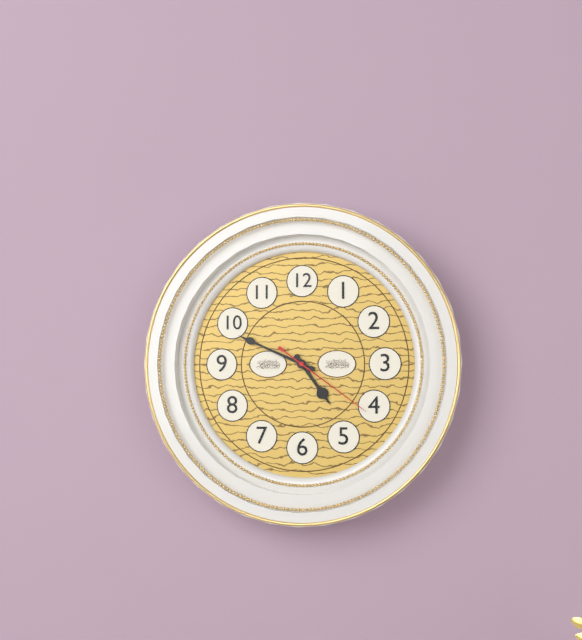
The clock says 4.49.21
